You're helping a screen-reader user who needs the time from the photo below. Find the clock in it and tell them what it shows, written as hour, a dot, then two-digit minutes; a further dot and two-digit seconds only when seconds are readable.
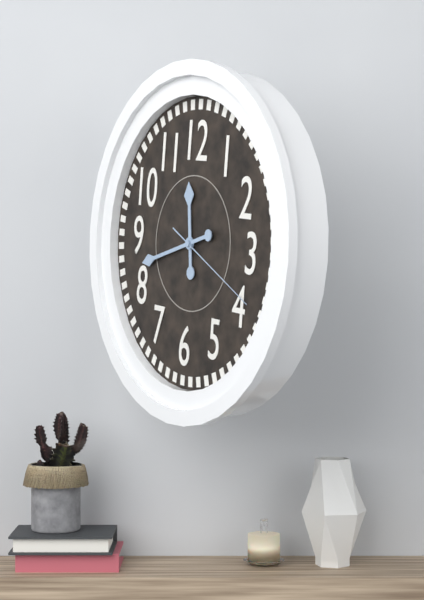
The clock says 11.42.19
